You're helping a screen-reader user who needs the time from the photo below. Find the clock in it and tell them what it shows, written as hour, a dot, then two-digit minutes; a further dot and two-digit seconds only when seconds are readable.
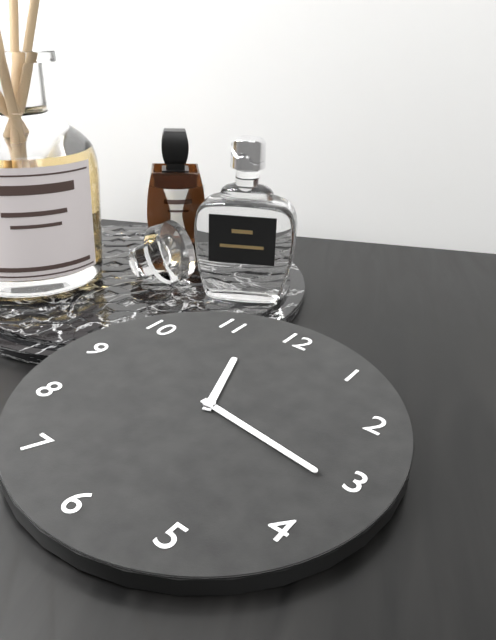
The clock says 11.16
